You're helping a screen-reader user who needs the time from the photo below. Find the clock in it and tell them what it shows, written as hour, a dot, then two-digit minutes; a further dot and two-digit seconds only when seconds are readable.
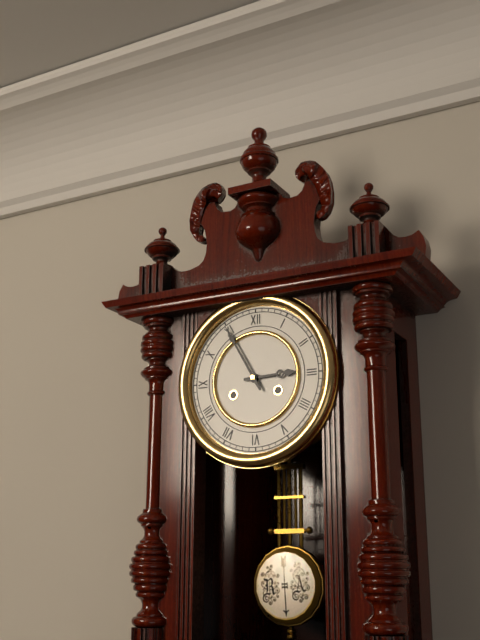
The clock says 2.55
